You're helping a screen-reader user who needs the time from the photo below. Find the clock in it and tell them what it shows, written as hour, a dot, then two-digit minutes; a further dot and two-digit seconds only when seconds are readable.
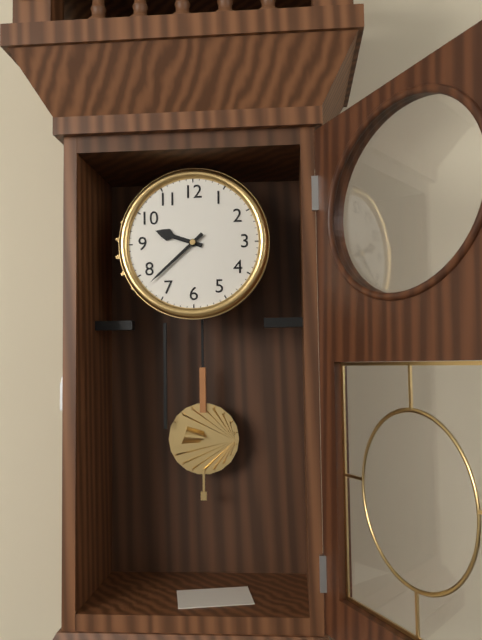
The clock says 9.38
